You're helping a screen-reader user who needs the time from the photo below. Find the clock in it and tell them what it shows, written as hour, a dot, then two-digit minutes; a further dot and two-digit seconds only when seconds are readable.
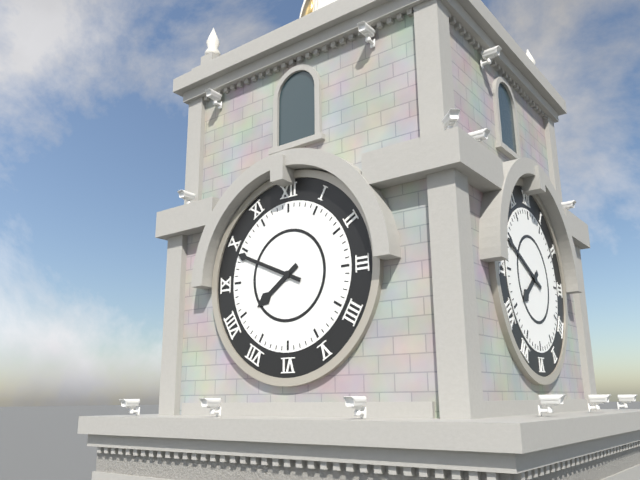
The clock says 7.49
